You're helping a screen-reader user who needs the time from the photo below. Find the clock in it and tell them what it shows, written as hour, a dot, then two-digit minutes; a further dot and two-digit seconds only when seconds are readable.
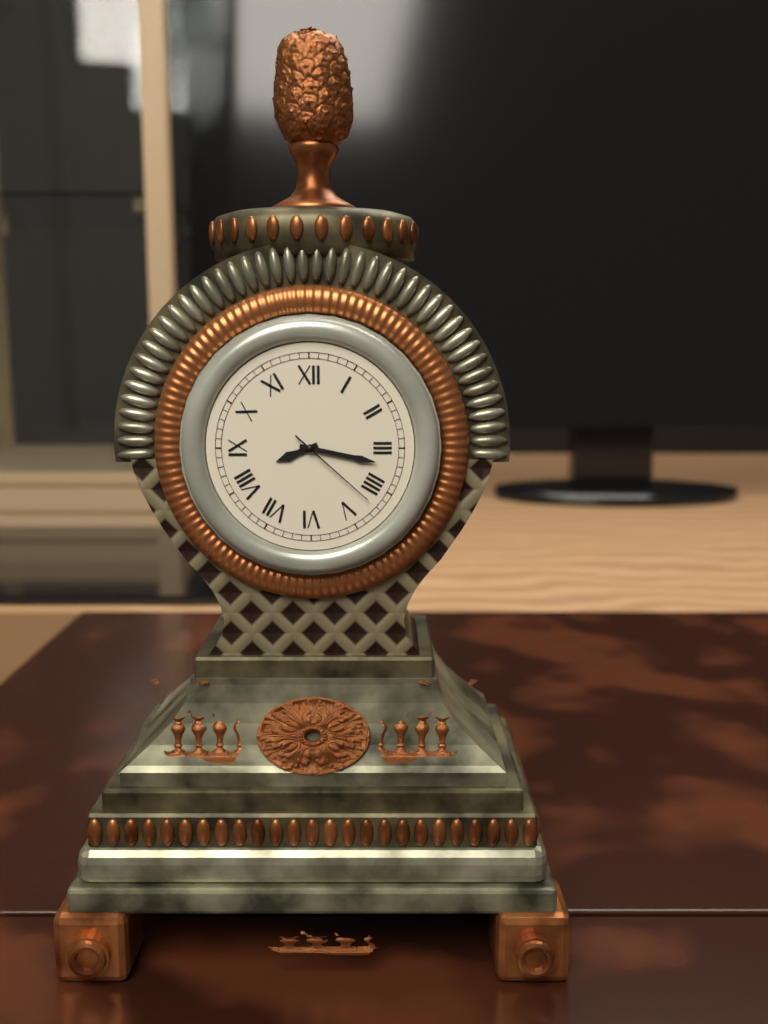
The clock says 8.17.22
